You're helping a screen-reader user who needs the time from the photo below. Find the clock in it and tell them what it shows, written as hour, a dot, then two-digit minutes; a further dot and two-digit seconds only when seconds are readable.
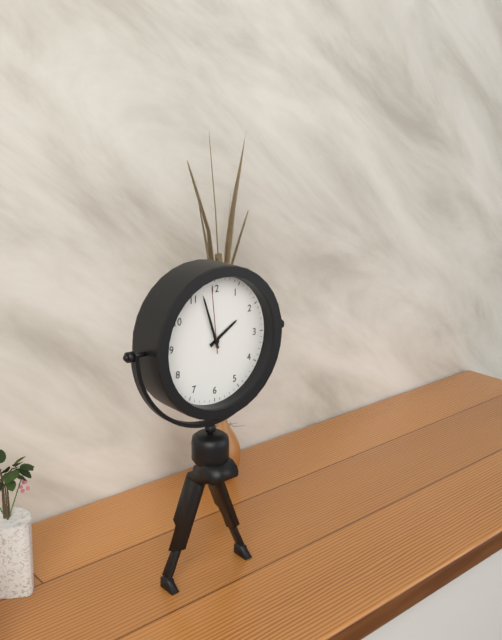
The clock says 1.57.59
